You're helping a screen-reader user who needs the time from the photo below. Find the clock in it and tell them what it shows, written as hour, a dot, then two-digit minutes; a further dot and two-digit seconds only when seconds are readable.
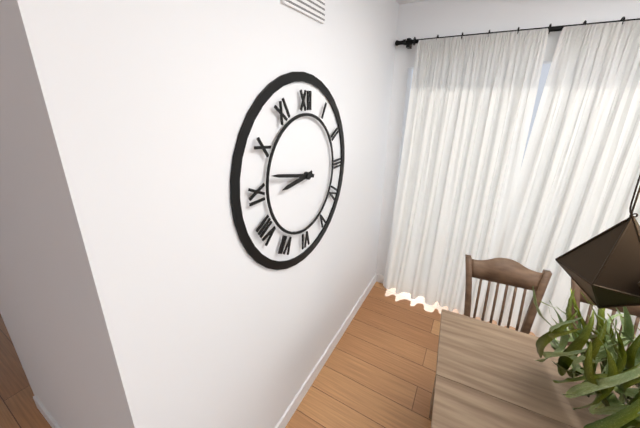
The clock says 8.47
